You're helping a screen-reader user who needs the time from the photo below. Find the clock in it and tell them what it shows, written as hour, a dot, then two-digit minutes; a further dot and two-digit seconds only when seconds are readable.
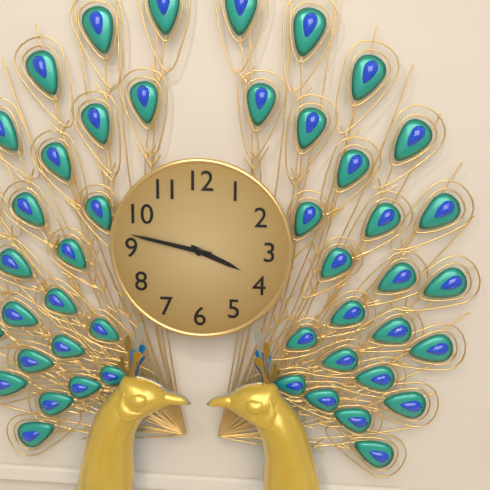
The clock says 3.47
